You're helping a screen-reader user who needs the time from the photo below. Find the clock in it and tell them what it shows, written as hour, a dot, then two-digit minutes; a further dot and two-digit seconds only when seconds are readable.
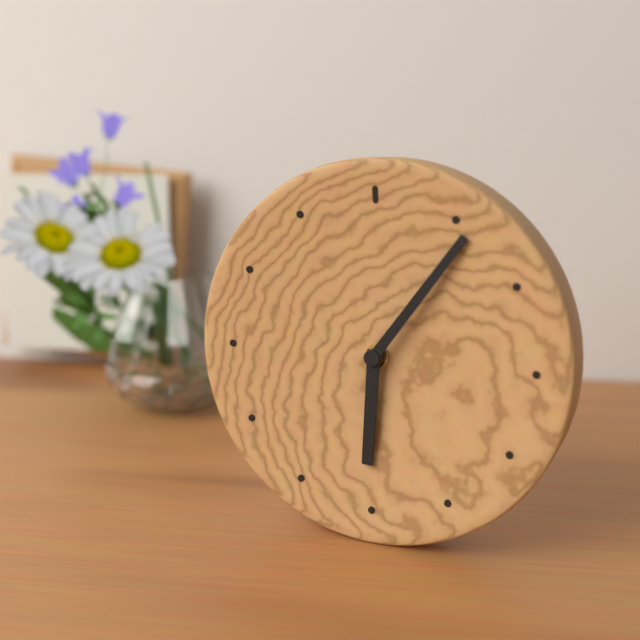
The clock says 6.06
